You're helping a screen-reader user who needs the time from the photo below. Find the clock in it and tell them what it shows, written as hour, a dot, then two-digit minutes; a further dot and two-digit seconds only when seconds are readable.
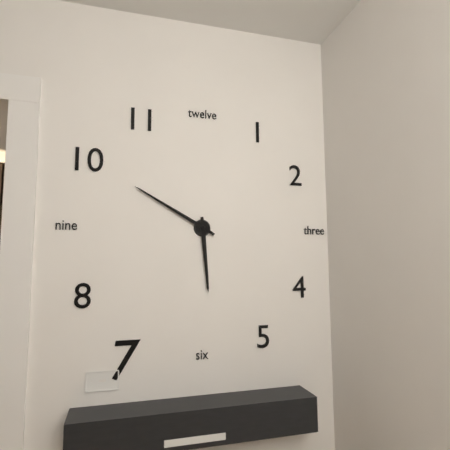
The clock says 5.50
